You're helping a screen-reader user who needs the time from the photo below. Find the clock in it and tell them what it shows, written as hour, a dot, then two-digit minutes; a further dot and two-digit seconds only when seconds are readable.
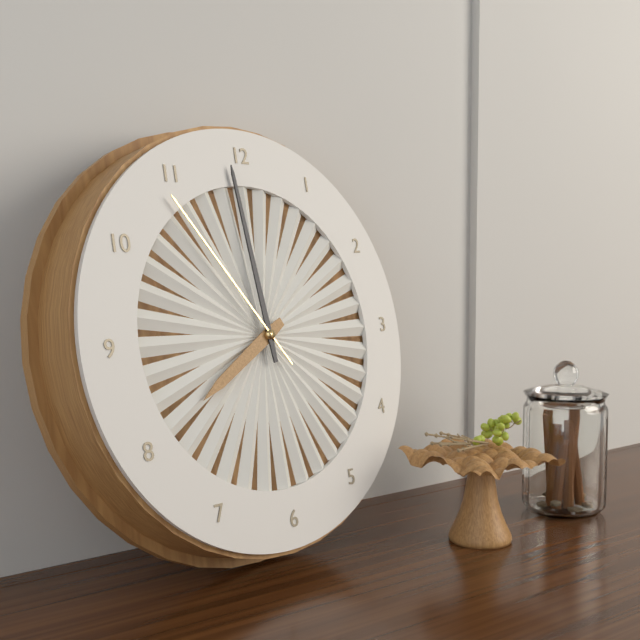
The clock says 7.59.54
